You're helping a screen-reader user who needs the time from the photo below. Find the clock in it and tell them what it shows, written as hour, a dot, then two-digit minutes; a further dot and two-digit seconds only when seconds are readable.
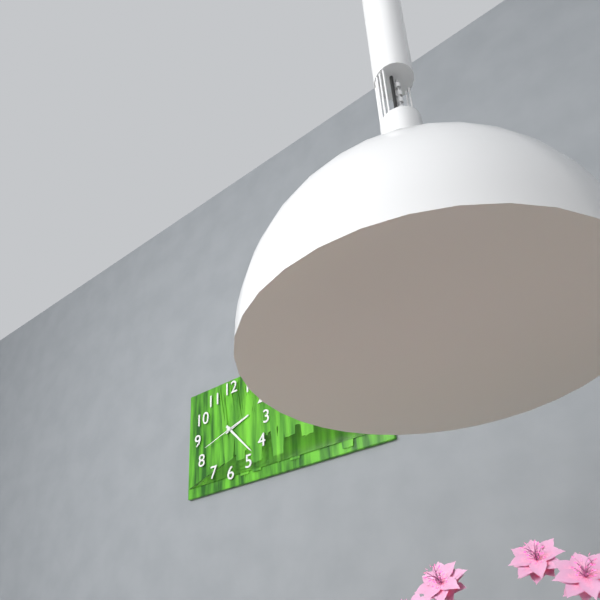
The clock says 2.23
